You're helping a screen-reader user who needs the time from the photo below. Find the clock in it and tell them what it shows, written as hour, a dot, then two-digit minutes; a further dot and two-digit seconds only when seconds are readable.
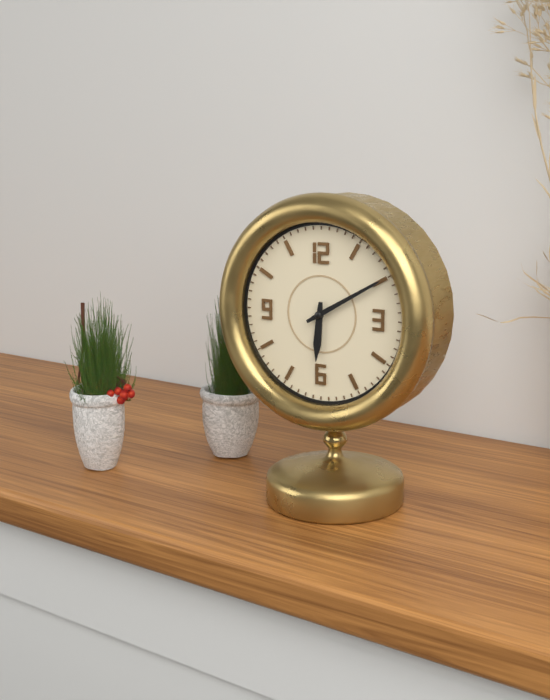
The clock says 6.10
